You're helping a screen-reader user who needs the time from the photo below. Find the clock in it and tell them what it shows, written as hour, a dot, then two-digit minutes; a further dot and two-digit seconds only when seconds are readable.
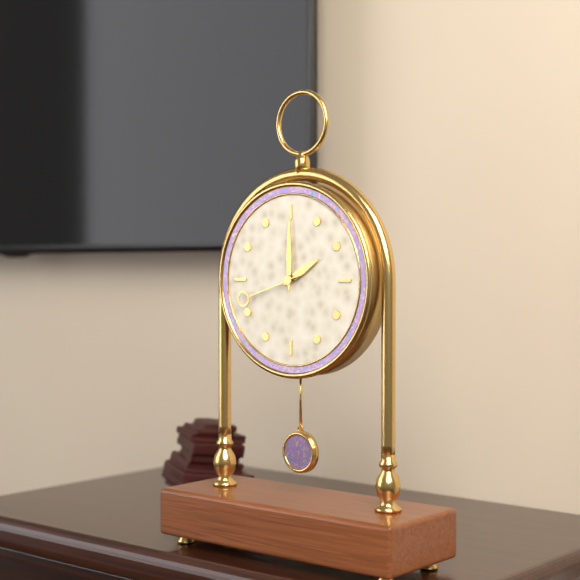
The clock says 2.00.42
